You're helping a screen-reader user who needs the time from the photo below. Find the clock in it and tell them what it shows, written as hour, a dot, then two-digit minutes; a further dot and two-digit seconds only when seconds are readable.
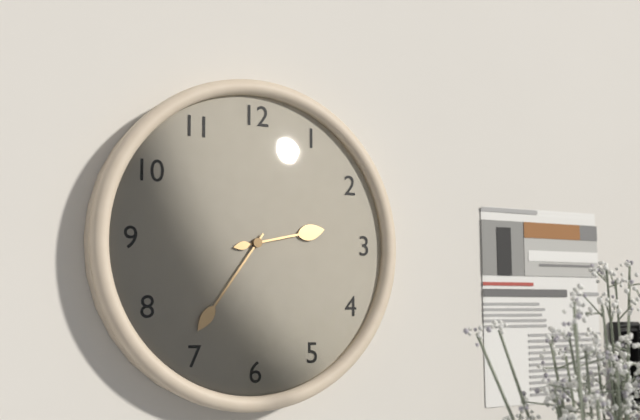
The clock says 2.36
